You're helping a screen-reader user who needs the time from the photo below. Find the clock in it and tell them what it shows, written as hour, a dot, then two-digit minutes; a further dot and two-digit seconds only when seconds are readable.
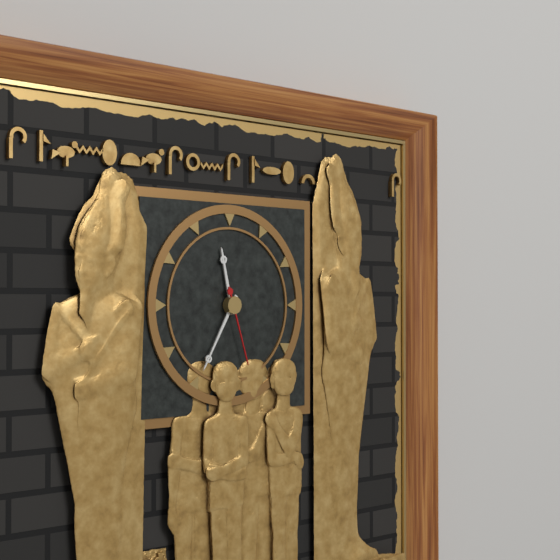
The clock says 11.35.27
